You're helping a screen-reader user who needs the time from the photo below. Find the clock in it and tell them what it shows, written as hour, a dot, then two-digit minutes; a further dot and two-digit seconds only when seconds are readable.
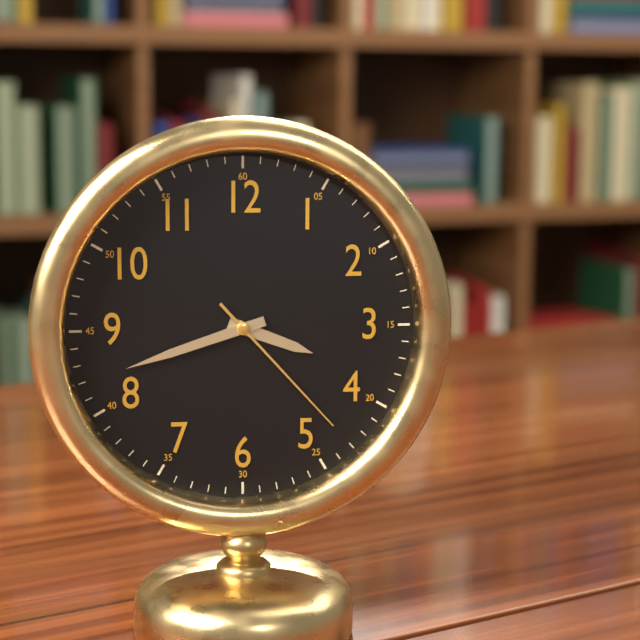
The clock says 3.42.23
